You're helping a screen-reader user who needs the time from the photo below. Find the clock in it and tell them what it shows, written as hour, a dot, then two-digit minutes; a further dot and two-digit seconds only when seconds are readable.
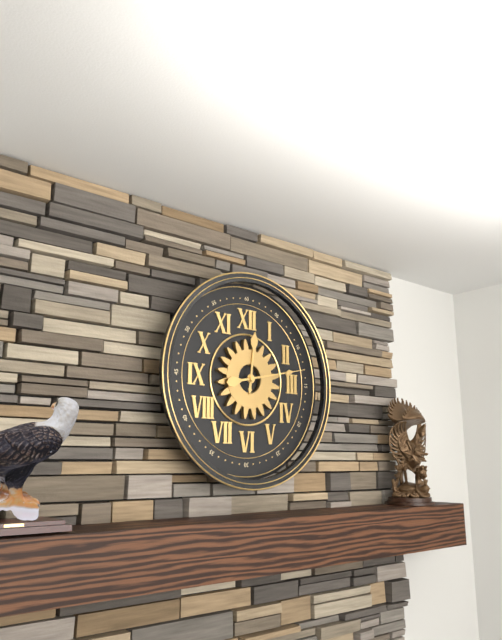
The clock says 12.13
